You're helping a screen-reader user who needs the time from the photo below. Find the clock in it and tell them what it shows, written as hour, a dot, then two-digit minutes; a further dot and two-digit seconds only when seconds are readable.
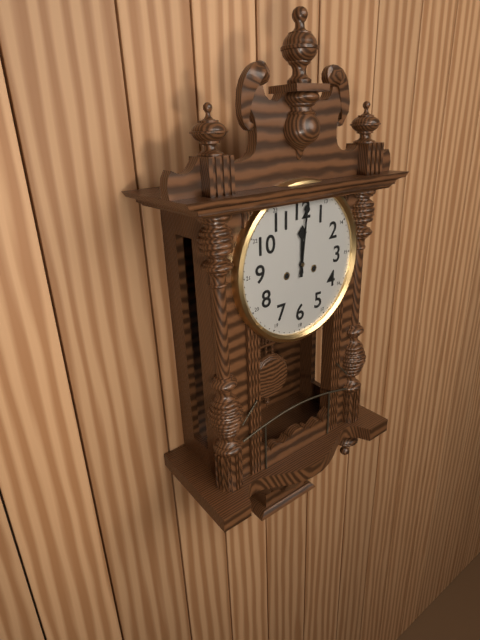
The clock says 12.01
